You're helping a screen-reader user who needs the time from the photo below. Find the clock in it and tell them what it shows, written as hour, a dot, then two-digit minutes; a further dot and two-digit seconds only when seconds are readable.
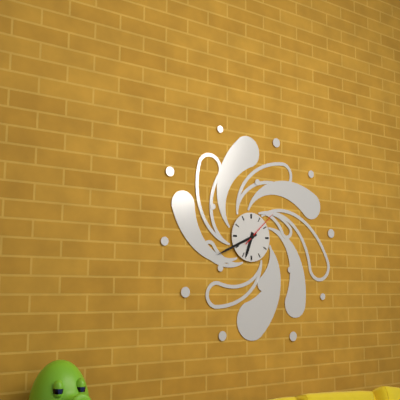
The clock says 6.41
